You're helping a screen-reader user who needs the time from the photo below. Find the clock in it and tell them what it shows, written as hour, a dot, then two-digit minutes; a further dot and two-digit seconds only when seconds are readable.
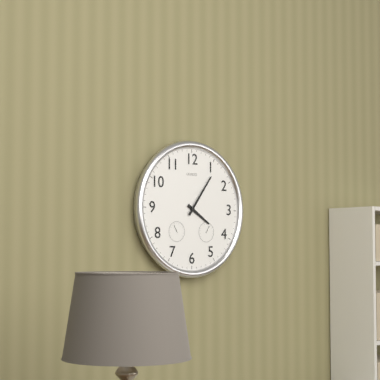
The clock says 4.06
